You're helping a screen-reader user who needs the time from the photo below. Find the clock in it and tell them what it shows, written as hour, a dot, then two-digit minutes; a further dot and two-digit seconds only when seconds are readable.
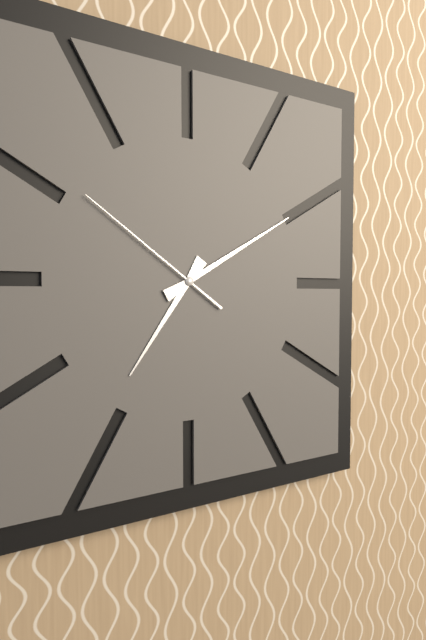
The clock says 7.10.51
